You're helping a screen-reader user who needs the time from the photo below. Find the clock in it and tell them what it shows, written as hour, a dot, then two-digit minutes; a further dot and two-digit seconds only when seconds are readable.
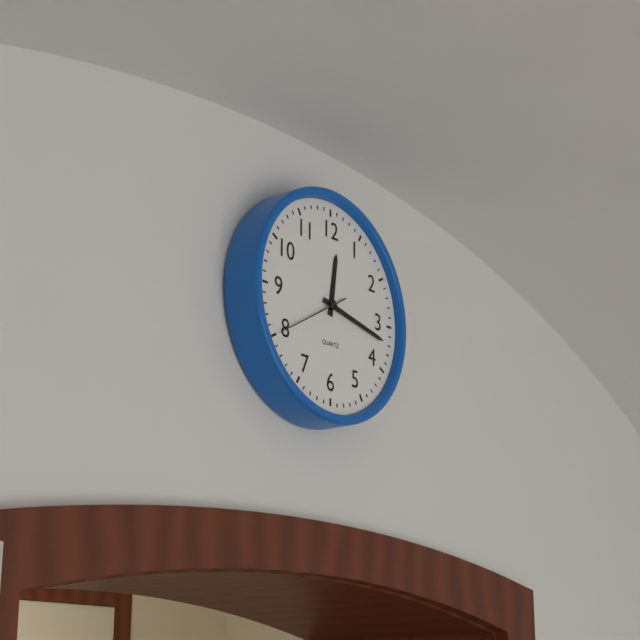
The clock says 12.17.40
